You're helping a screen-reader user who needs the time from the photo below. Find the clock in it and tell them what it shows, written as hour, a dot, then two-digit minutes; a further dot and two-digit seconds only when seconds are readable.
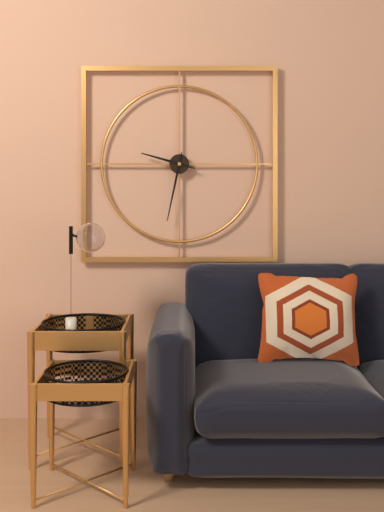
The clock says 9.32
